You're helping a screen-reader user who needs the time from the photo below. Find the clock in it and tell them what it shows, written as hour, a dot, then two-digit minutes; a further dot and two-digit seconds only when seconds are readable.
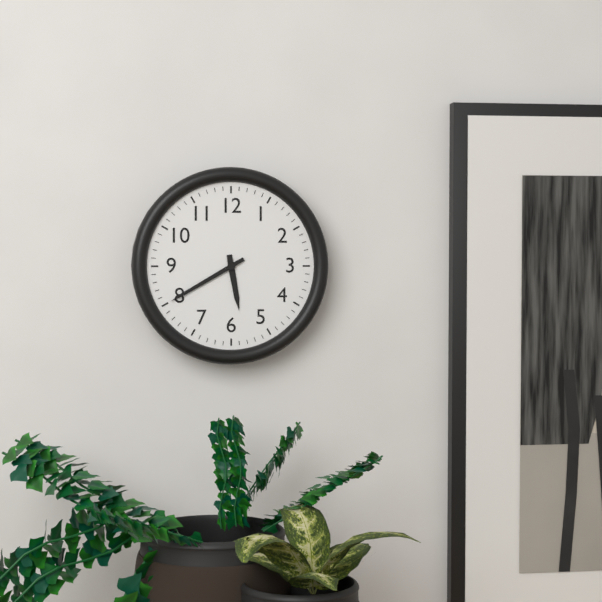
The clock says 5.40
